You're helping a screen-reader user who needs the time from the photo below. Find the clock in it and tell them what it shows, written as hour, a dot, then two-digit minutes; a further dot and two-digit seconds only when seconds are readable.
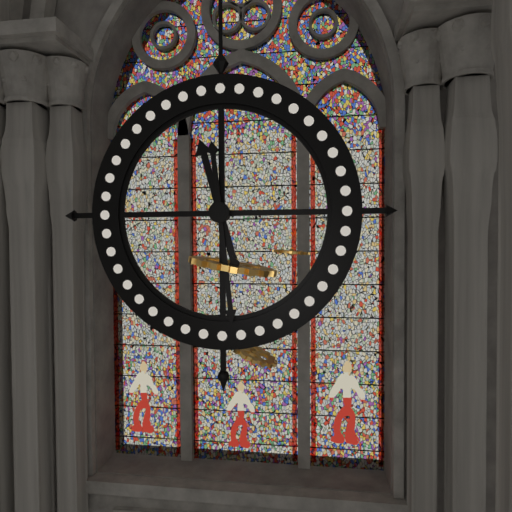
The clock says 11.29
